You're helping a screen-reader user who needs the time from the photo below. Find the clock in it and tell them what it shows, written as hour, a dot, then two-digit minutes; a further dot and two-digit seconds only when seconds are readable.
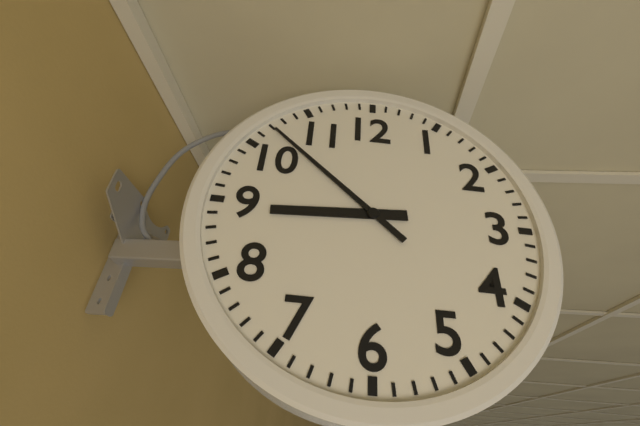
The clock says 8.52
